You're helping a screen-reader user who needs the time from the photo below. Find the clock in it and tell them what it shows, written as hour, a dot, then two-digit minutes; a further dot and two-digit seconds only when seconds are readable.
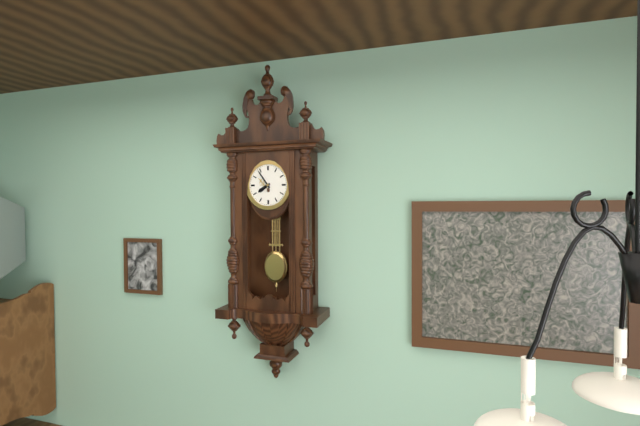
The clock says 7.54
